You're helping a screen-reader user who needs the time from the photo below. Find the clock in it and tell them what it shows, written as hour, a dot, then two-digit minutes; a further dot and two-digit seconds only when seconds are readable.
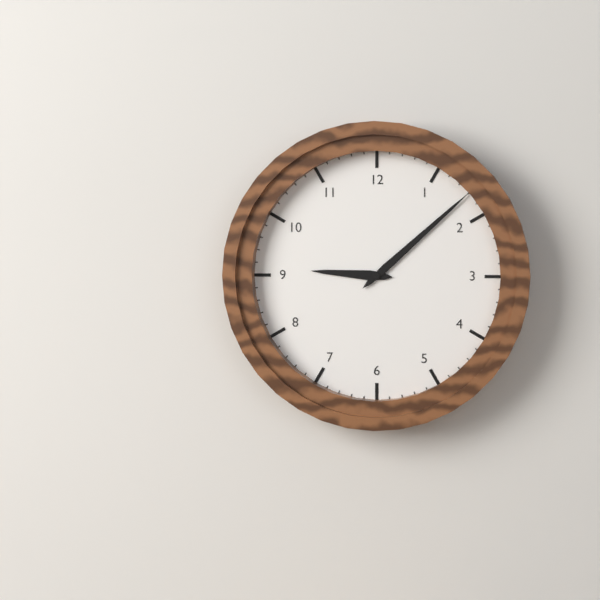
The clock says 9.08
